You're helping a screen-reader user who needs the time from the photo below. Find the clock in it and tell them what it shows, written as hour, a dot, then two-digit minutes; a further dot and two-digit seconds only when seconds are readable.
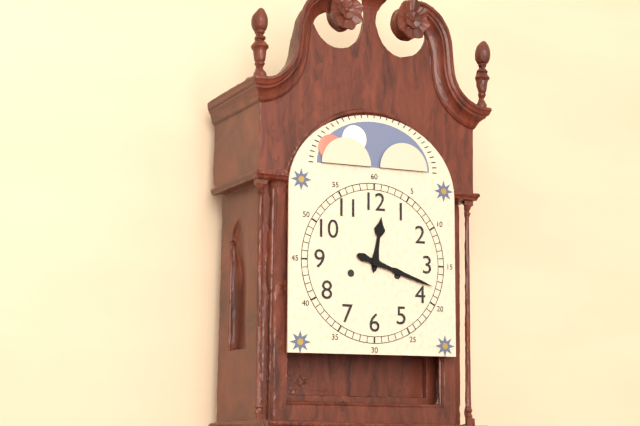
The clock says 12.18
